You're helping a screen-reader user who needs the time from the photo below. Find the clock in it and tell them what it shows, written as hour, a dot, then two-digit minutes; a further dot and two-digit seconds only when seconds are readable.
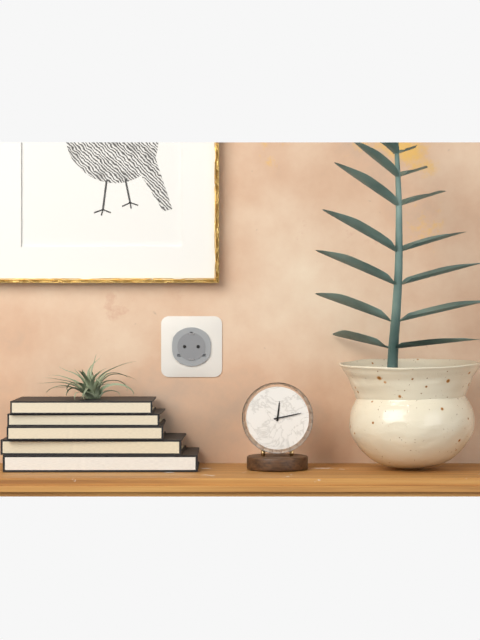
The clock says 12.13
